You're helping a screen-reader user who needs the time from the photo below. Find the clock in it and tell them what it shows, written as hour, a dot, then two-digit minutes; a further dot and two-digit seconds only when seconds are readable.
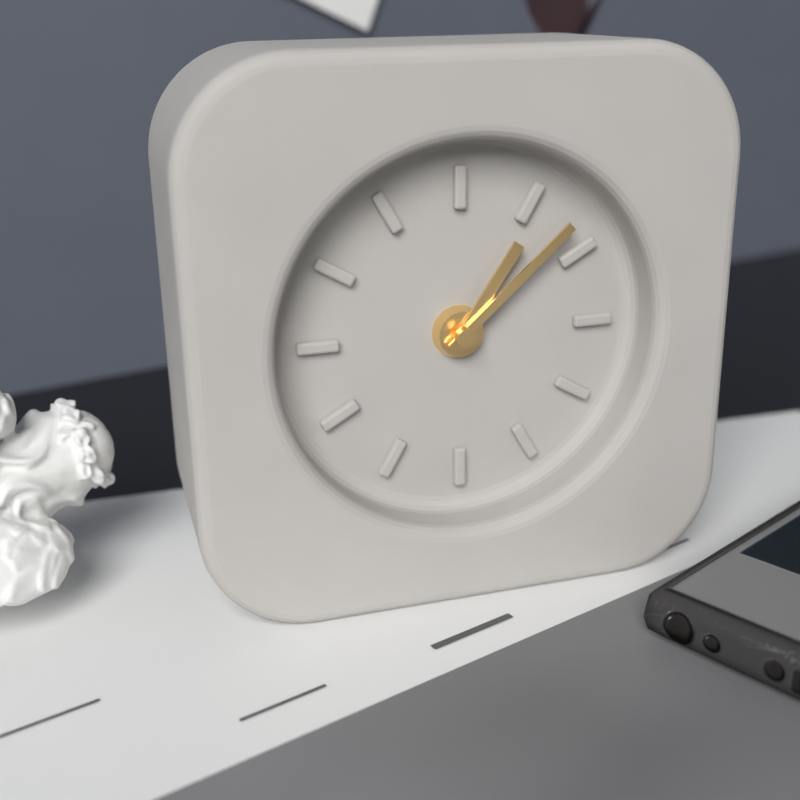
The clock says 1.08
